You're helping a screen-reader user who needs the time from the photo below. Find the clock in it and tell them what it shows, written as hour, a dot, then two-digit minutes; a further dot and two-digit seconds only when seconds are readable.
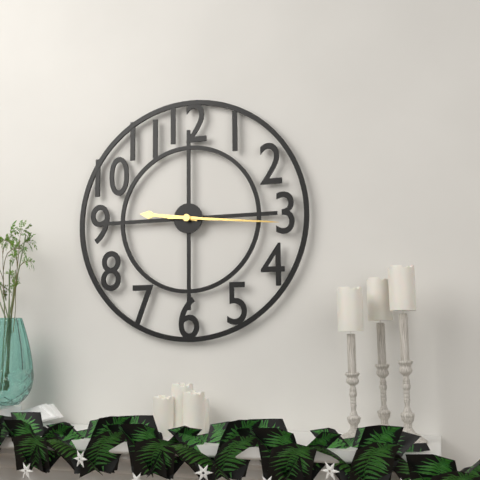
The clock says 9.16
